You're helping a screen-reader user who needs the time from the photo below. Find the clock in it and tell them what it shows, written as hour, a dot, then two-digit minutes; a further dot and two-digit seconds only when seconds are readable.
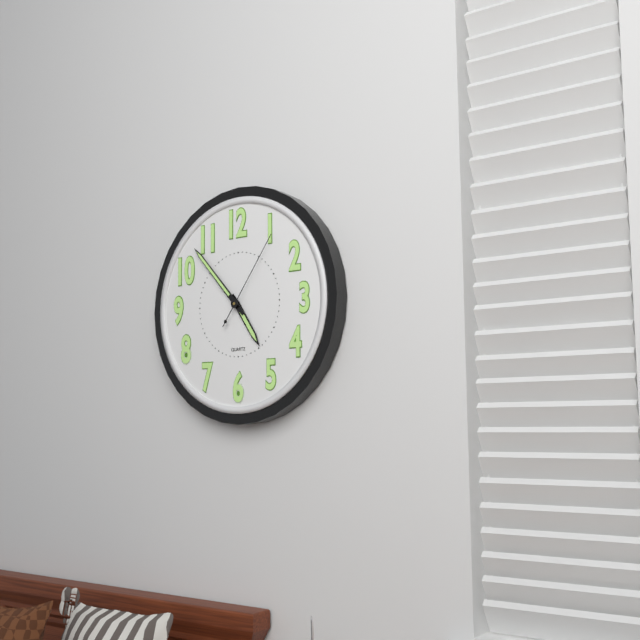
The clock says 4.53.06
